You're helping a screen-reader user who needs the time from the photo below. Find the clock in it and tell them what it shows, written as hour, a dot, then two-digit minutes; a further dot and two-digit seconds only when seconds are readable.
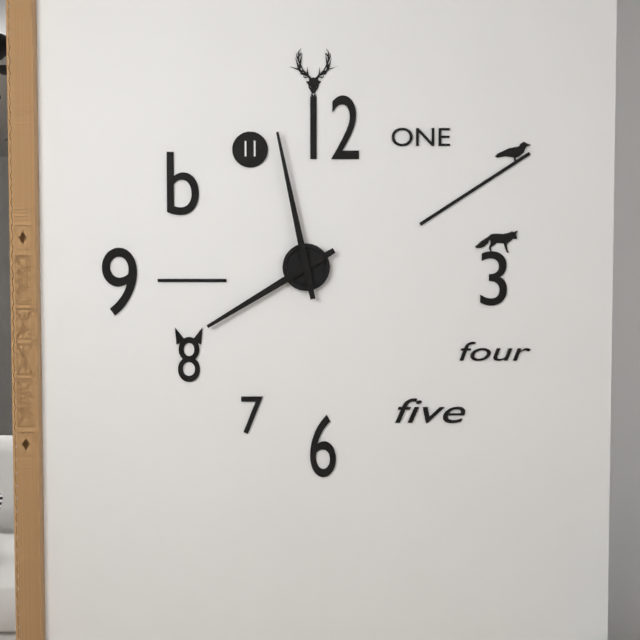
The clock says 7.58
